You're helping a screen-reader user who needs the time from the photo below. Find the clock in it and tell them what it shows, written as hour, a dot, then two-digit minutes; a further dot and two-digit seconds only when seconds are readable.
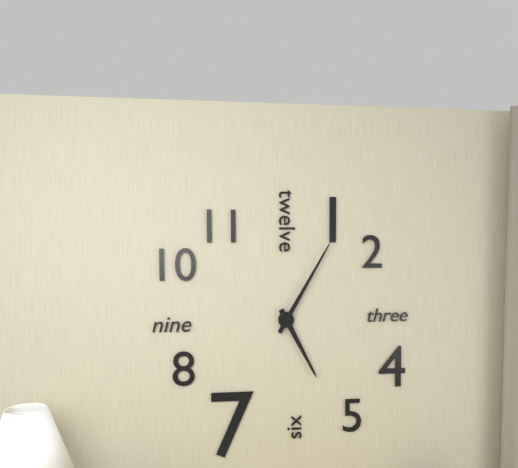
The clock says 5.05
